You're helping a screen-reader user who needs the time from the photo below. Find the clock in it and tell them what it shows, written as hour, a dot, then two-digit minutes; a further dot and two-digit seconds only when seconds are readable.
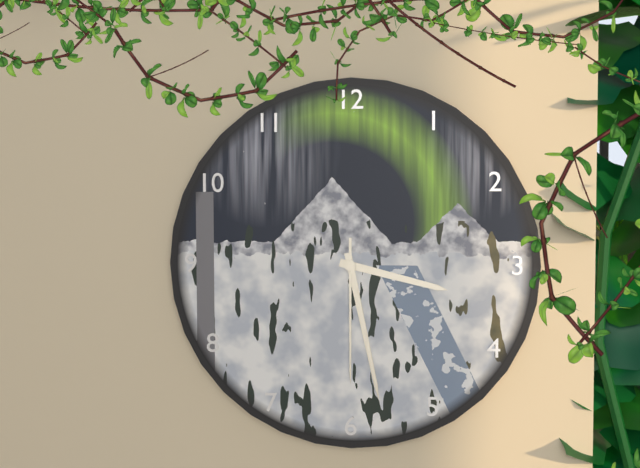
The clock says 3.28.30
